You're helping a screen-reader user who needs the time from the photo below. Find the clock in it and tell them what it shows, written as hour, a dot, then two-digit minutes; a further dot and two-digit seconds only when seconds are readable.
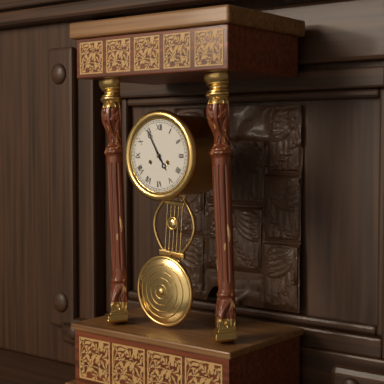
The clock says 4.55
